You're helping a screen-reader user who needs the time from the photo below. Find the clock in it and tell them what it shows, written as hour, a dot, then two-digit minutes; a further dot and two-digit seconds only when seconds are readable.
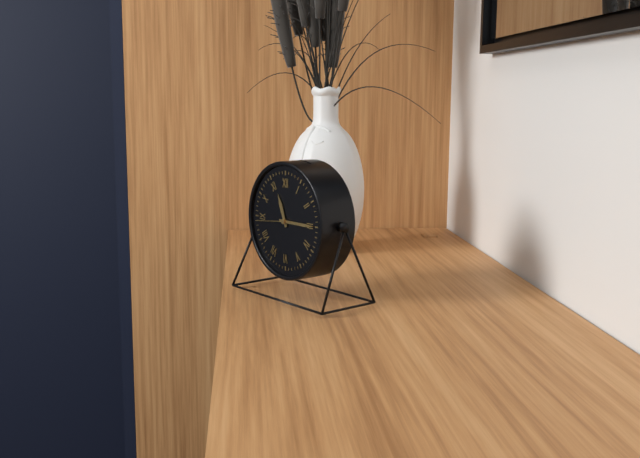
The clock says 11.15
